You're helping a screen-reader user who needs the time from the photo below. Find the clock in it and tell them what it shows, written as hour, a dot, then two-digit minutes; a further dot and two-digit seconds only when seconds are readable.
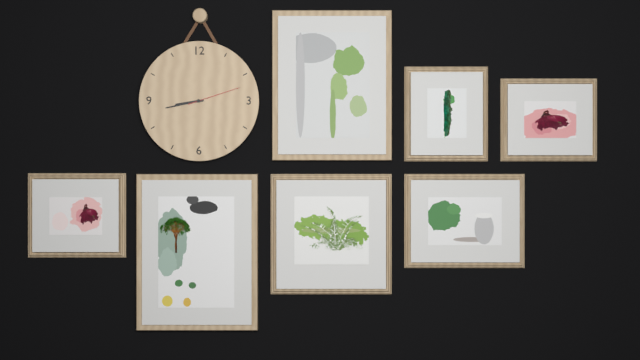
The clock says 8.43.12
